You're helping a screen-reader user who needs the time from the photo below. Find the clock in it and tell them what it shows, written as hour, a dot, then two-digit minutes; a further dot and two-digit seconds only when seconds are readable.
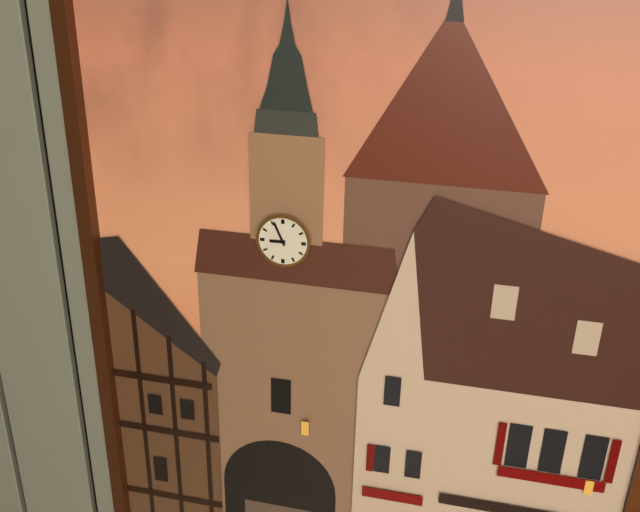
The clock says 8.56
